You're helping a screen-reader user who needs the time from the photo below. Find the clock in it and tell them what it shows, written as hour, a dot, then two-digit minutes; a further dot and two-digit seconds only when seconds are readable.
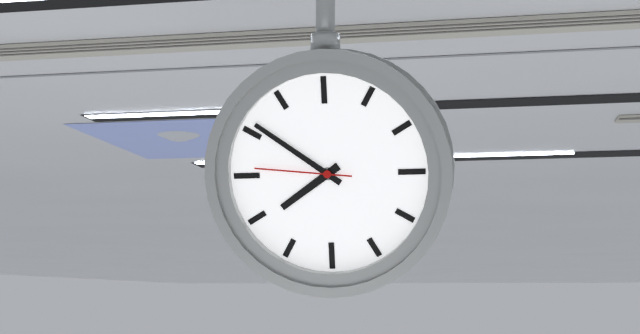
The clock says 7.51.46
